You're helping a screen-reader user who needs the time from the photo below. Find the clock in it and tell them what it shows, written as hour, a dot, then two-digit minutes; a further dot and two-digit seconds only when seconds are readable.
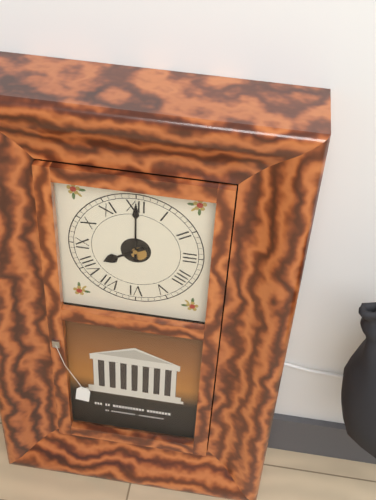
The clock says 8.00
